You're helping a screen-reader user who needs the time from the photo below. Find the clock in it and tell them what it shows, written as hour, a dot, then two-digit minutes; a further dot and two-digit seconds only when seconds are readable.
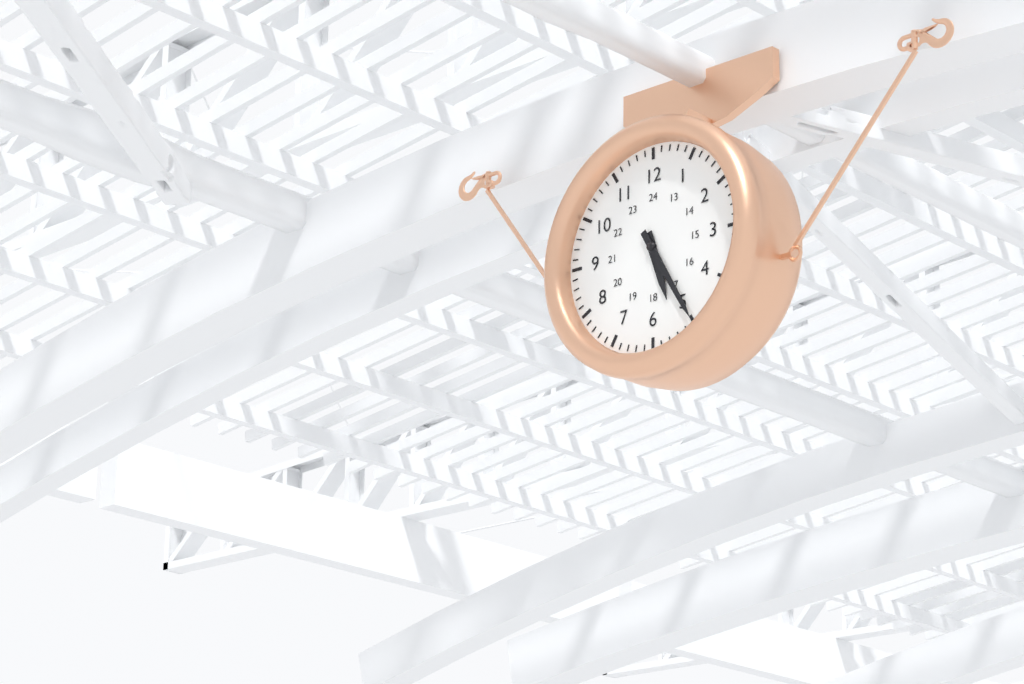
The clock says 5.25
